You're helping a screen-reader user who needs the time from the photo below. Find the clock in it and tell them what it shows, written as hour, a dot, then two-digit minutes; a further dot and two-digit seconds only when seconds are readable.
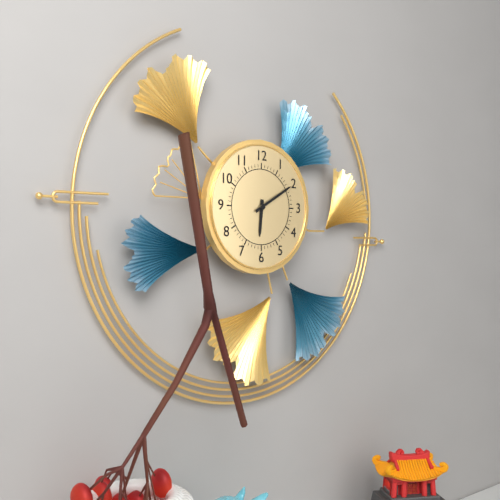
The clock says 6.10
